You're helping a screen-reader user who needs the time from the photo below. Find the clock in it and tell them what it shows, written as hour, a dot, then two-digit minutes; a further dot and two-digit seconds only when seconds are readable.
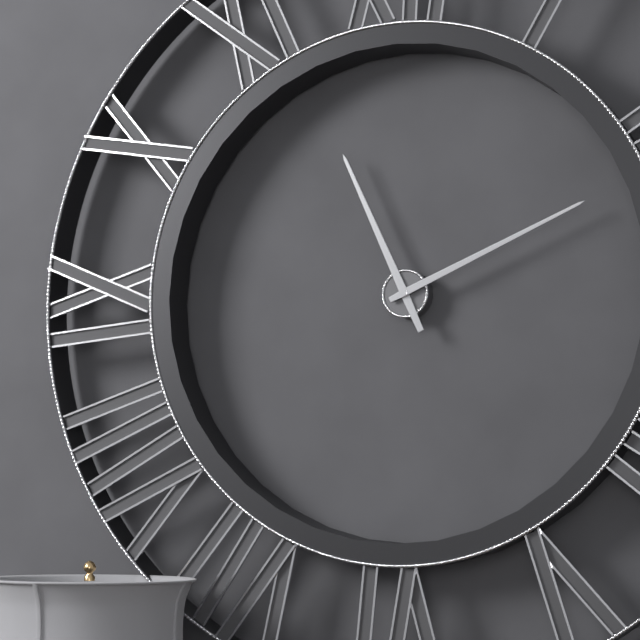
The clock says 11.11
